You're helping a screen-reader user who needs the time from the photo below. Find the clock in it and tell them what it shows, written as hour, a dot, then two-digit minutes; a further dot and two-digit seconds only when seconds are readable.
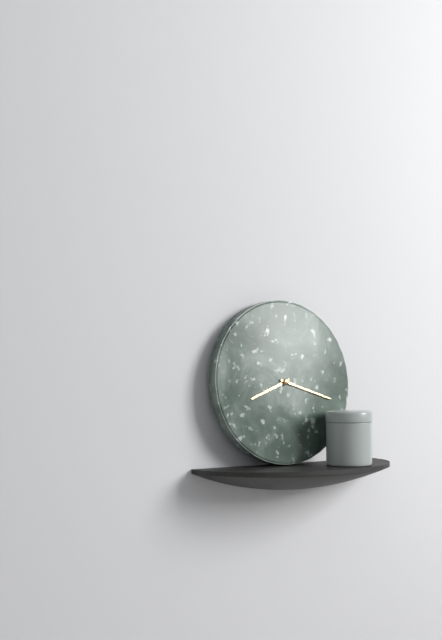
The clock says 8.18
